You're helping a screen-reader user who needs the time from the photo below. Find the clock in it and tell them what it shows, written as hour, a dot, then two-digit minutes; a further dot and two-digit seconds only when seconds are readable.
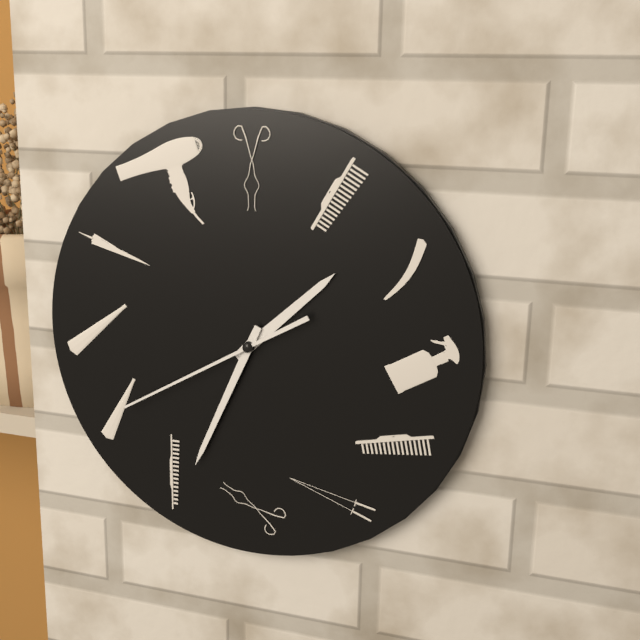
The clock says 1.34.40
